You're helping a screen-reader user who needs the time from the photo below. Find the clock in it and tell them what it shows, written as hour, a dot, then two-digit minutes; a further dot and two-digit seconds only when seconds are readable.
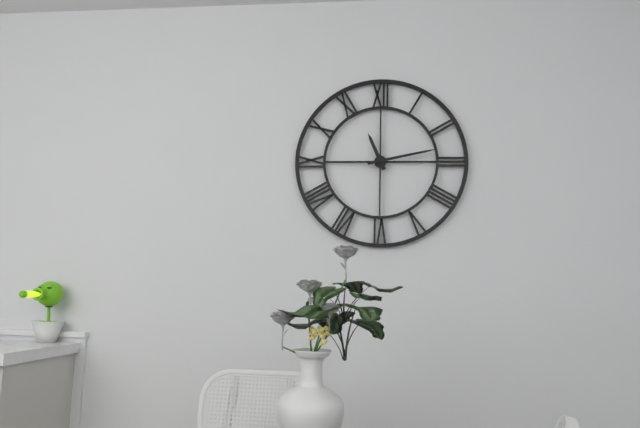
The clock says 11.13
